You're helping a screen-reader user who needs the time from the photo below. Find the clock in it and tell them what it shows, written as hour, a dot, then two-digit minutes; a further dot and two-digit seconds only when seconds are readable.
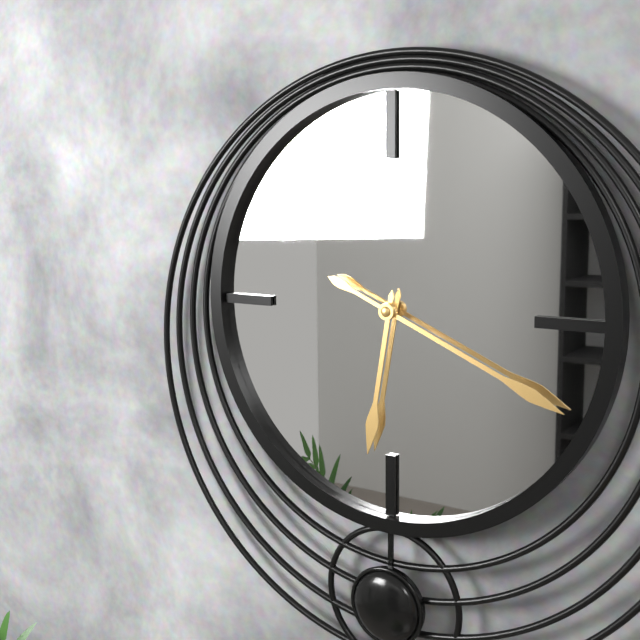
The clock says 6.19
